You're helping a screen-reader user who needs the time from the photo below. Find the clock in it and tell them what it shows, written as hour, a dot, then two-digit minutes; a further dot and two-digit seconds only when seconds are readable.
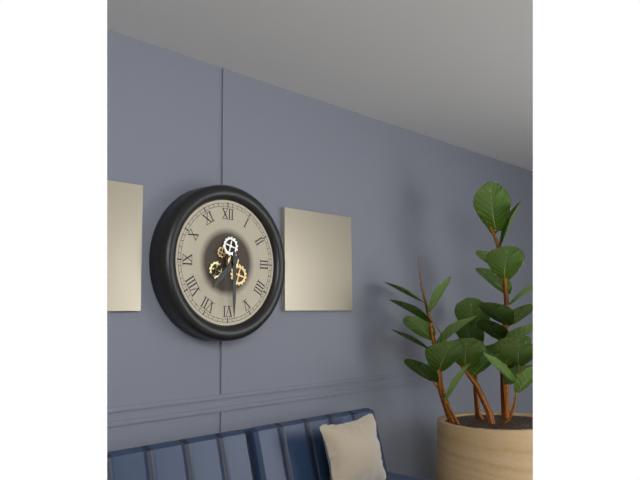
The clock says 7.30
